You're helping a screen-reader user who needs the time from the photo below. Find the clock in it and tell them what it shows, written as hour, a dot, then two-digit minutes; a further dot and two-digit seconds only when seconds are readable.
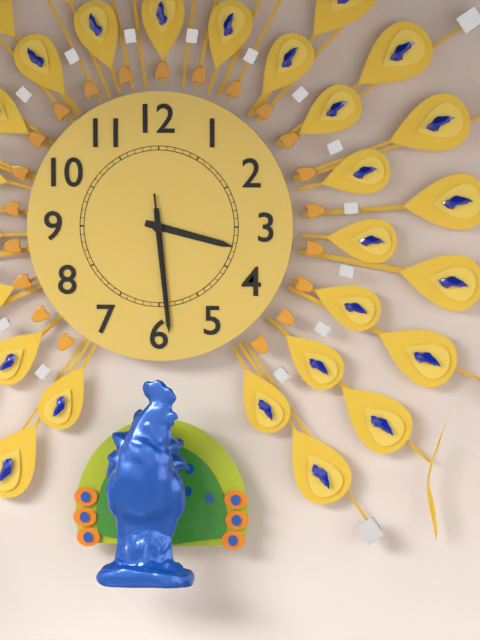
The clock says 3.29.29
